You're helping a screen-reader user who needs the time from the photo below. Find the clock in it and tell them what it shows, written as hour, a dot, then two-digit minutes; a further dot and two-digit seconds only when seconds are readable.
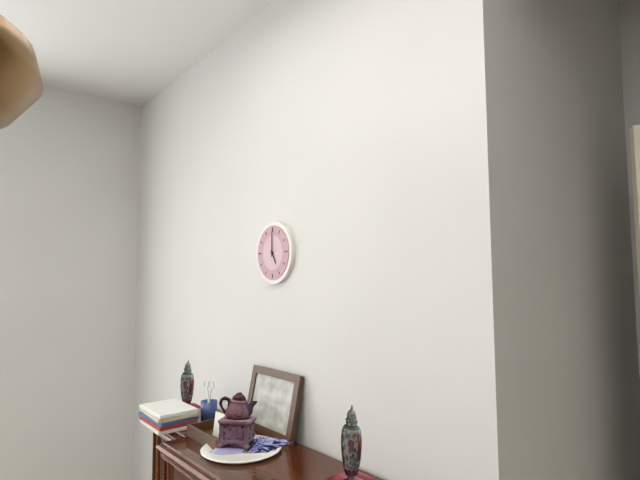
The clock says 5.00
